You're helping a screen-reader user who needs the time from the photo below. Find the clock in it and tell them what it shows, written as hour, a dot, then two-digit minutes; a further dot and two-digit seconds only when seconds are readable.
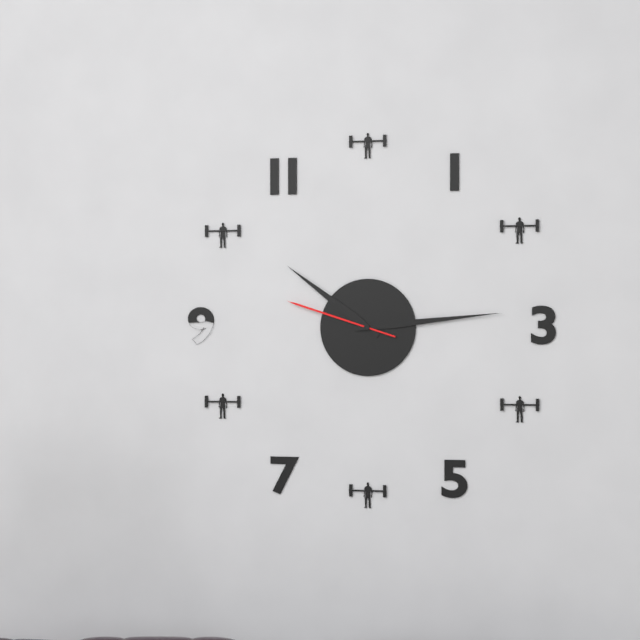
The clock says 10.14.48
